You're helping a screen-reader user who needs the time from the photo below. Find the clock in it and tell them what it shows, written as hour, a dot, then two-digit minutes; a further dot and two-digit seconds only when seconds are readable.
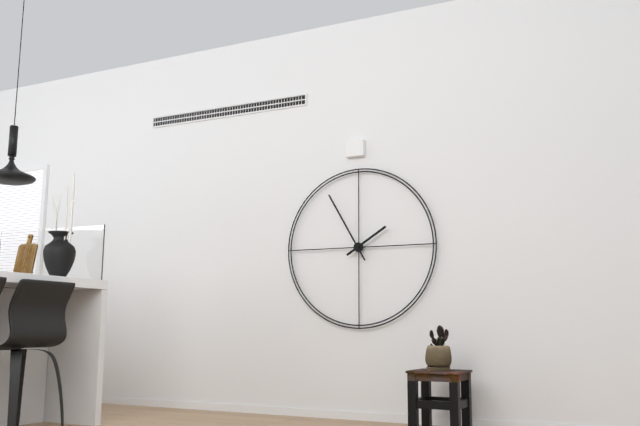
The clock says 1.55
